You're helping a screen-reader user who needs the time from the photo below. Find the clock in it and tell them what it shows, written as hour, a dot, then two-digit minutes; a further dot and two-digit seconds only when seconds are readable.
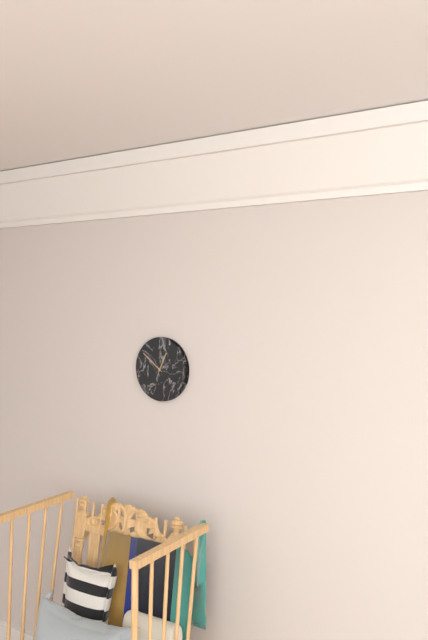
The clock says 12.51
